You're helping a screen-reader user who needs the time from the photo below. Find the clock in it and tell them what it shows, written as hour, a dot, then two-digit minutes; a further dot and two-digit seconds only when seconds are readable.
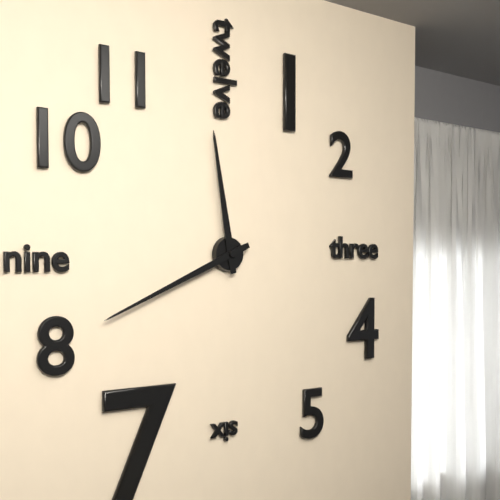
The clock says 11.41
